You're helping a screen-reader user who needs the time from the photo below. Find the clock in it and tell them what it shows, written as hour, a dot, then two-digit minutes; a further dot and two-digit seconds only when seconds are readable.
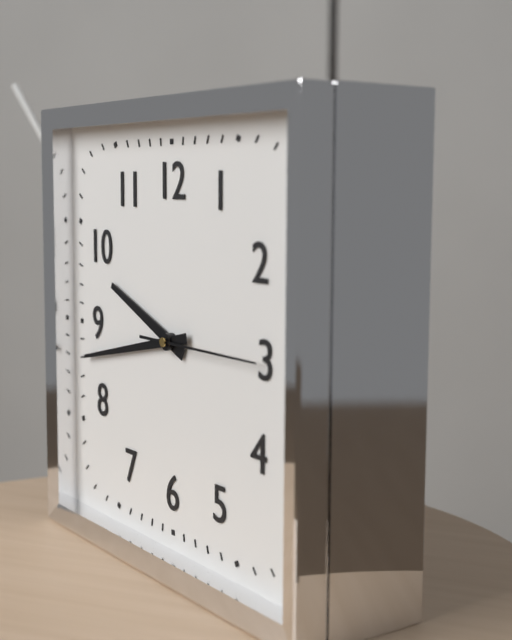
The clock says 9.43.15
